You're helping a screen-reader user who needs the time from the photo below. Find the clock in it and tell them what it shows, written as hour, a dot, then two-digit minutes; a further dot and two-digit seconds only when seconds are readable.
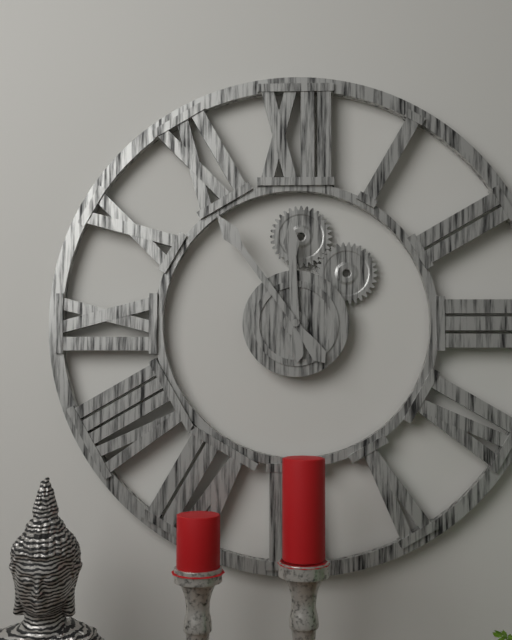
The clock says 11.54
